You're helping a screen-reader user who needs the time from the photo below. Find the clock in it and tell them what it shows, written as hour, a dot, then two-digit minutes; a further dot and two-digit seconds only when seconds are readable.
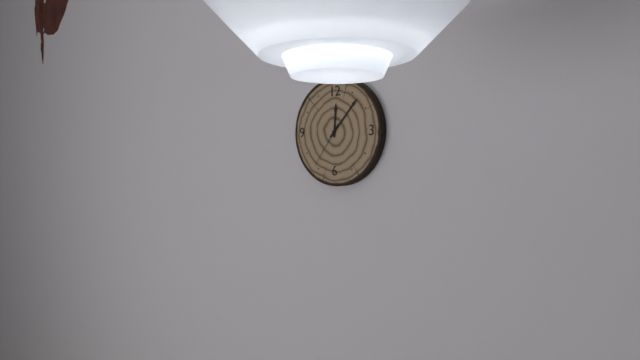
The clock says 12.07
